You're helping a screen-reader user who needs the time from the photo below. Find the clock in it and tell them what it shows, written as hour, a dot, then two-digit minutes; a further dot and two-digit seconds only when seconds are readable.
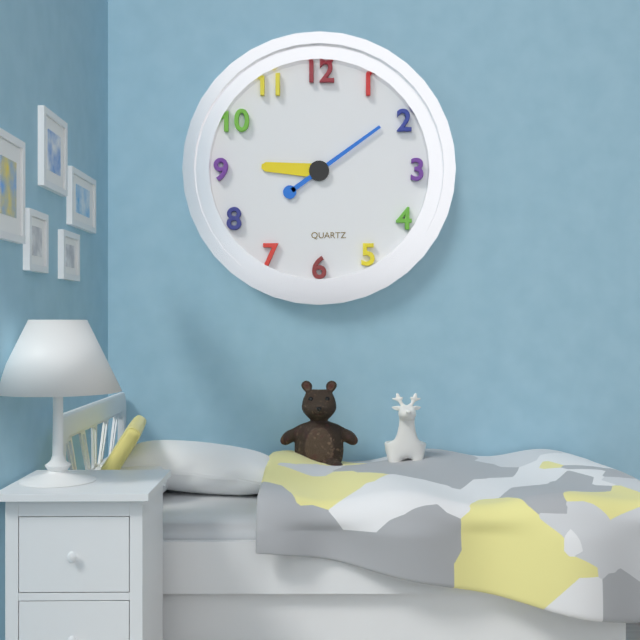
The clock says 9.09
